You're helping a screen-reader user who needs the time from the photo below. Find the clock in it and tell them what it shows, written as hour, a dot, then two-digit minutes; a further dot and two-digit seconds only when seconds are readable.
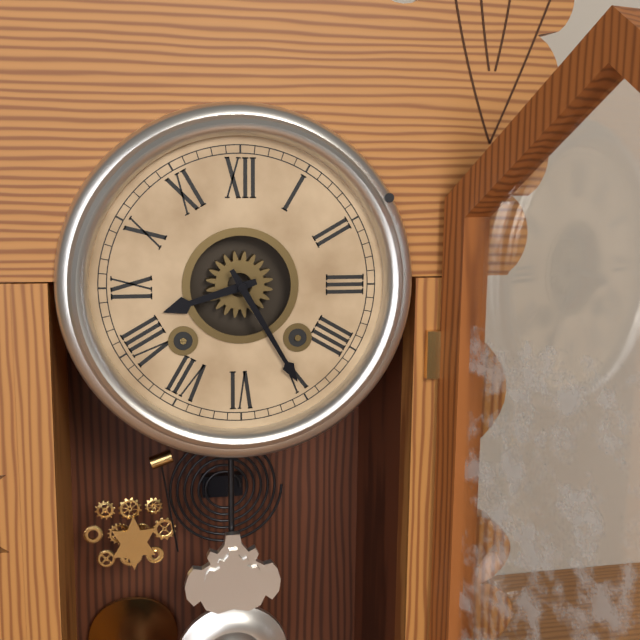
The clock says 8.25
